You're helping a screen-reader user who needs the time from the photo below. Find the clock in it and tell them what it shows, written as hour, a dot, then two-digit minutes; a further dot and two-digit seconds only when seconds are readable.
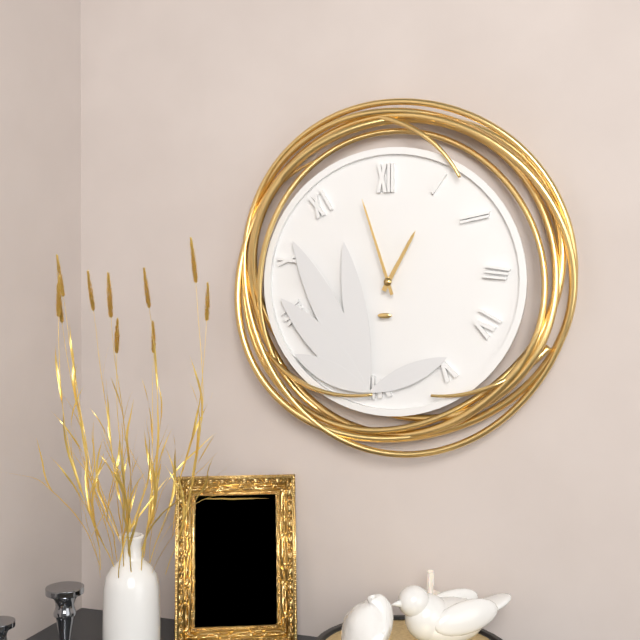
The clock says 12.57
